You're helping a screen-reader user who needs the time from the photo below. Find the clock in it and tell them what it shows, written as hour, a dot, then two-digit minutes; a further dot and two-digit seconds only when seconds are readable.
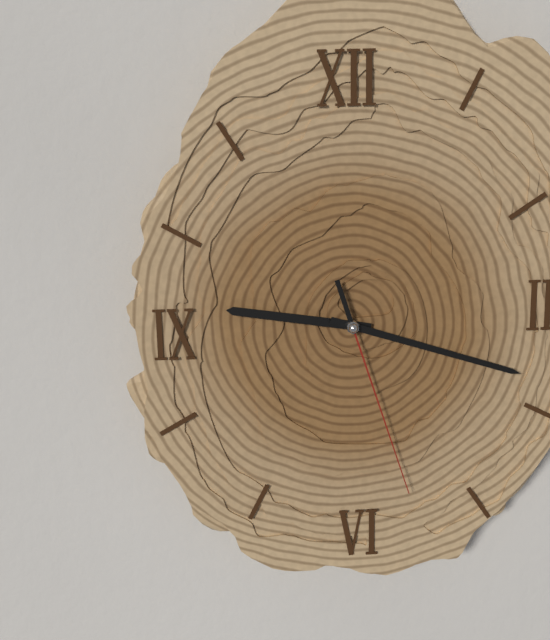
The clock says 9.18.27
